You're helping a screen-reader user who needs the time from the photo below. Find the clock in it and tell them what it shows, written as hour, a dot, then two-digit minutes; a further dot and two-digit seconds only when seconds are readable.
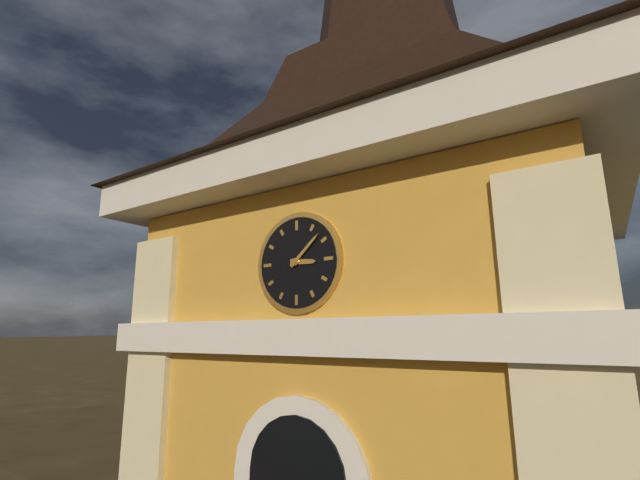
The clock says 3.08
